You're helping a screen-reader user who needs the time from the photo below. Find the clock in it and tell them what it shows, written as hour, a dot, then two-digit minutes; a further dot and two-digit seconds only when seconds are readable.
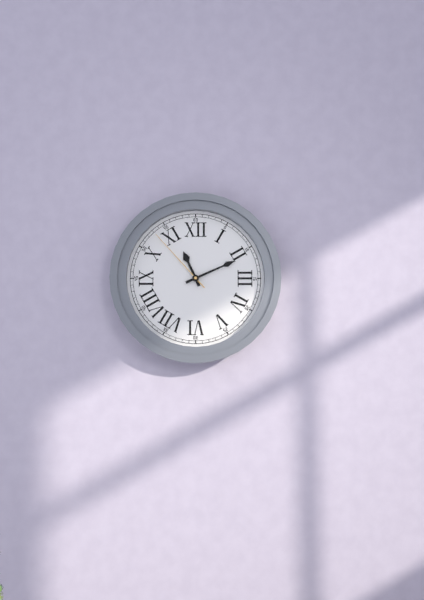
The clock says 11.11.53
